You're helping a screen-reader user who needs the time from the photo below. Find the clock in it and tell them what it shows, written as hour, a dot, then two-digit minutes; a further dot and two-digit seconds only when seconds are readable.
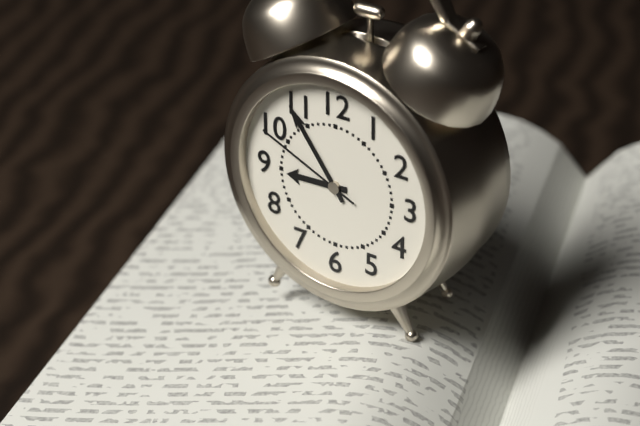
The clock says 8.54.49
